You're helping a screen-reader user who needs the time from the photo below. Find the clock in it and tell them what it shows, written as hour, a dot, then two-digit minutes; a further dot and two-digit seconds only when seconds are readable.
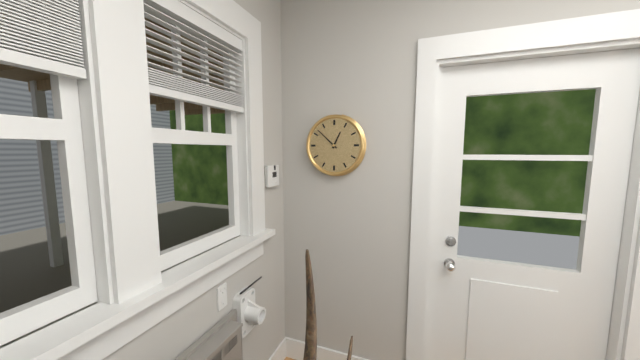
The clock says 12.52
